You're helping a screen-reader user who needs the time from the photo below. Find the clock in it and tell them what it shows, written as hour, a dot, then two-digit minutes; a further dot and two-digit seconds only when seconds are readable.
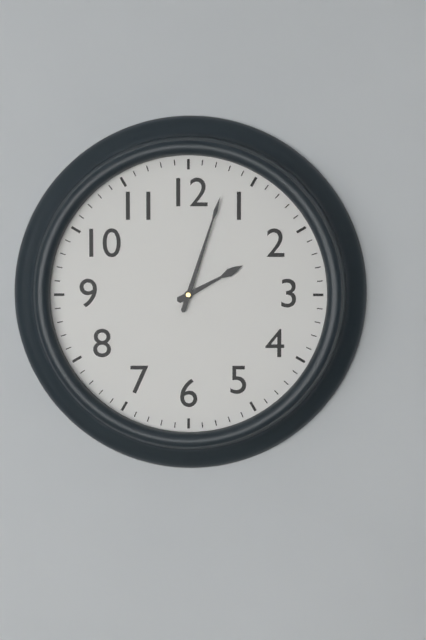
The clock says 2.03
